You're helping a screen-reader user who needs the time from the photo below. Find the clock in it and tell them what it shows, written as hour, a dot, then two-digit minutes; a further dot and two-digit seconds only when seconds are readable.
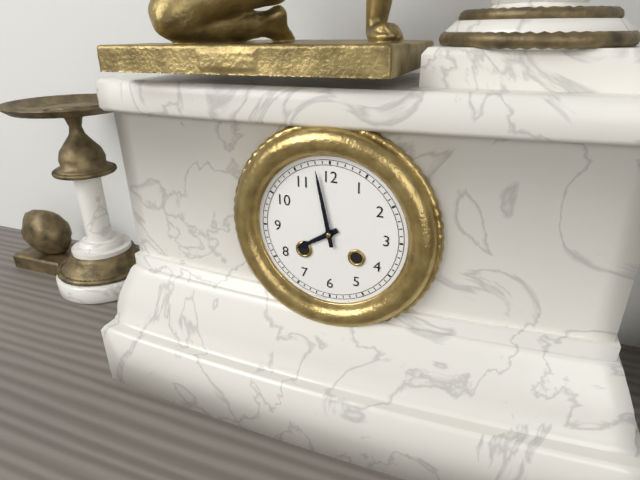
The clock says 7.58
